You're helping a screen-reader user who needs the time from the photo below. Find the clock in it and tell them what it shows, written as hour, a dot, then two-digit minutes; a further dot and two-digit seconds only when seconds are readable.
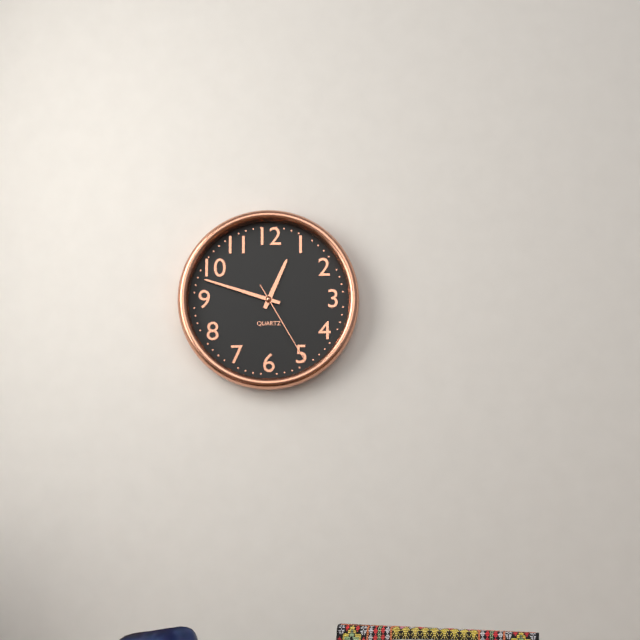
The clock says 12.48.25
